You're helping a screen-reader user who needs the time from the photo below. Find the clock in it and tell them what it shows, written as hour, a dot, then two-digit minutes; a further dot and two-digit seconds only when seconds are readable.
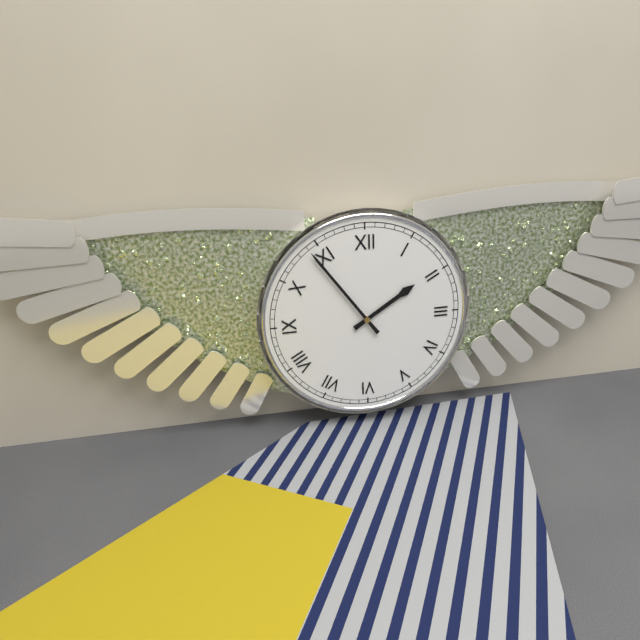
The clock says 1.54
